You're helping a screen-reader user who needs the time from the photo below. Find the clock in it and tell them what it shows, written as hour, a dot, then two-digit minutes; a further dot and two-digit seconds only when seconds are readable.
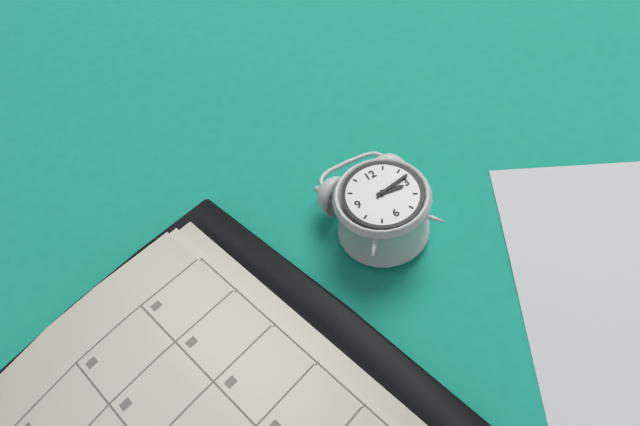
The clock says 3.13
